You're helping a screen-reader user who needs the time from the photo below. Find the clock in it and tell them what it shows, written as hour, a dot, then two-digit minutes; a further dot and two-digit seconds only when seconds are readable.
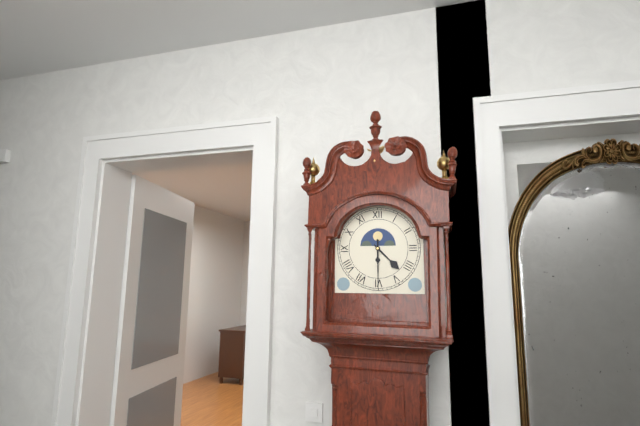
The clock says 4.30
